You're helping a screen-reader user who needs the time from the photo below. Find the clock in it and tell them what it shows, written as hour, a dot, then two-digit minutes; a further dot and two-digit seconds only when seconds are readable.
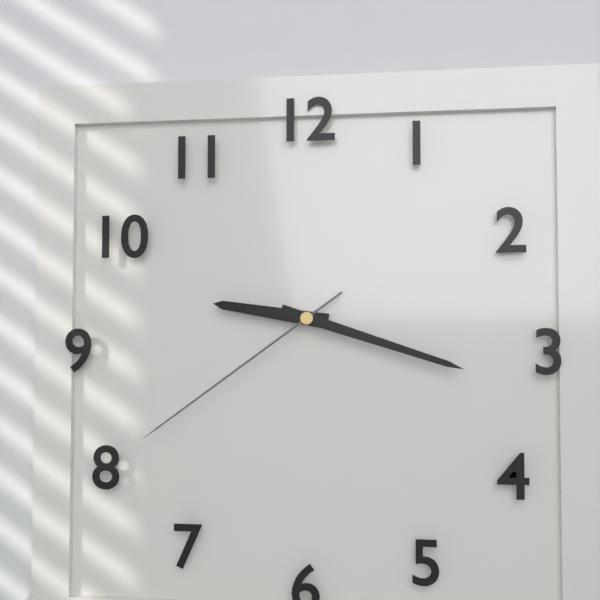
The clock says 9.18.39
